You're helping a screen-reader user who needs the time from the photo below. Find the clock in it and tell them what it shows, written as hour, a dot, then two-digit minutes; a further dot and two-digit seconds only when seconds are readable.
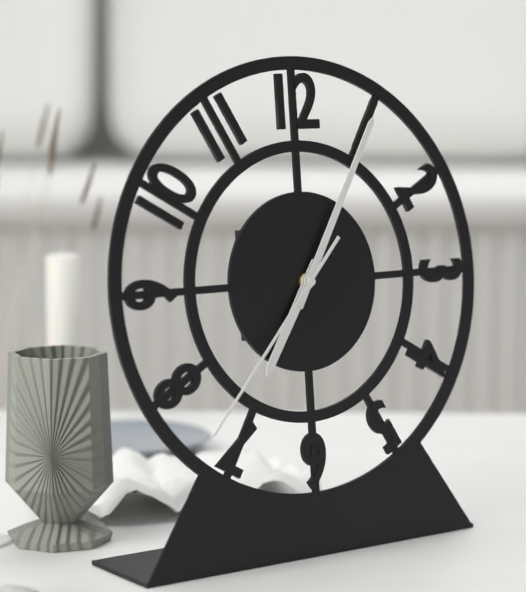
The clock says 7.05.37
